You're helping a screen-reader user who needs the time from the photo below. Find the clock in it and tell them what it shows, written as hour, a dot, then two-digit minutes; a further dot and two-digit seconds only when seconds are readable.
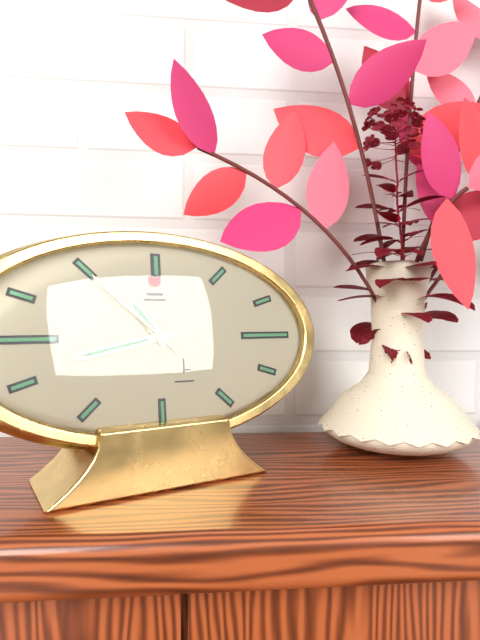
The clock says 10.43.52
